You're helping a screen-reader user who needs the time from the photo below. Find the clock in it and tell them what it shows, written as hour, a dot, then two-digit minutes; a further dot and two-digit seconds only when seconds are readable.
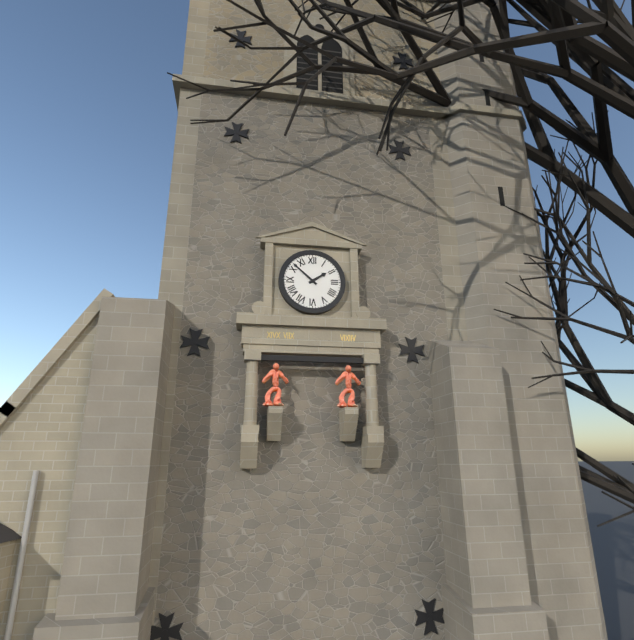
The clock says 1.52
